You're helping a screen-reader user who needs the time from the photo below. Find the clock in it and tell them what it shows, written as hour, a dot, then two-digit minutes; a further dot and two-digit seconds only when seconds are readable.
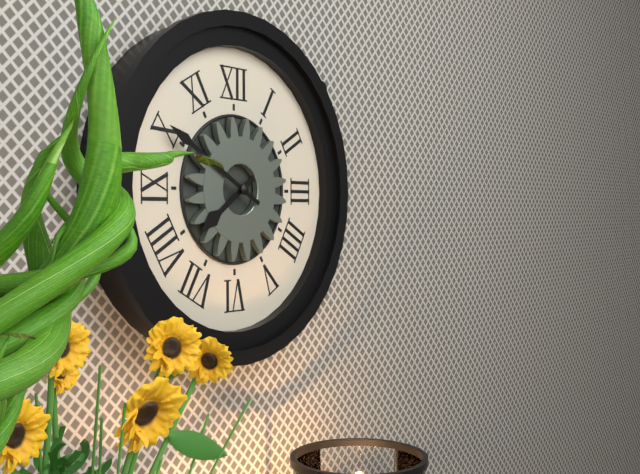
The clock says 7.50
